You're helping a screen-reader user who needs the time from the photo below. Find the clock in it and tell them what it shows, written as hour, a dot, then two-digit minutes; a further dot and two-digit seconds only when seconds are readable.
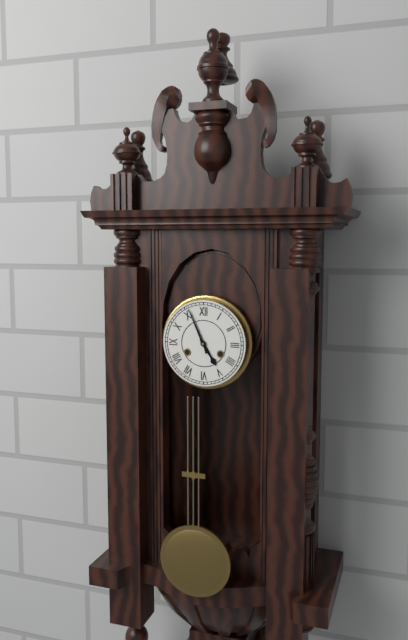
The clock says 4.56
